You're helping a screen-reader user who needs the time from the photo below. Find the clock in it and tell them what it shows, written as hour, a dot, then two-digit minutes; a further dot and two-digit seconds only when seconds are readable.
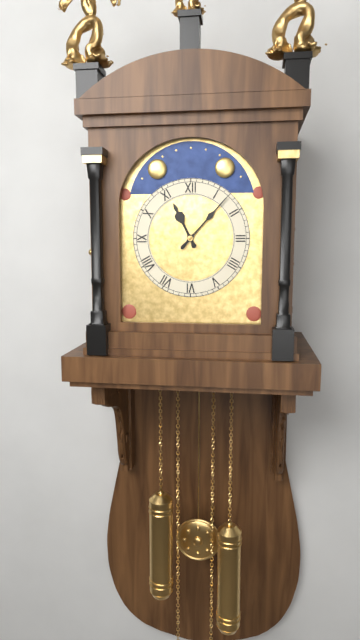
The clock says 11.07
